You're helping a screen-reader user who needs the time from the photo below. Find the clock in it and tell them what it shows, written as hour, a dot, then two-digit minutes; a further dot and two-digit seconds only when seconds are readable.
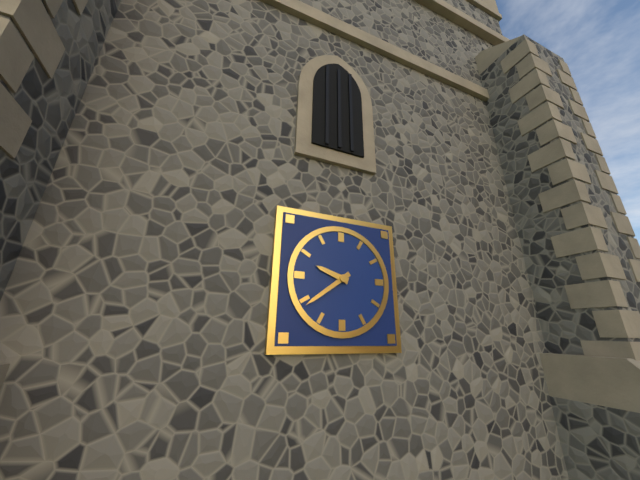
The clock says 9.39
